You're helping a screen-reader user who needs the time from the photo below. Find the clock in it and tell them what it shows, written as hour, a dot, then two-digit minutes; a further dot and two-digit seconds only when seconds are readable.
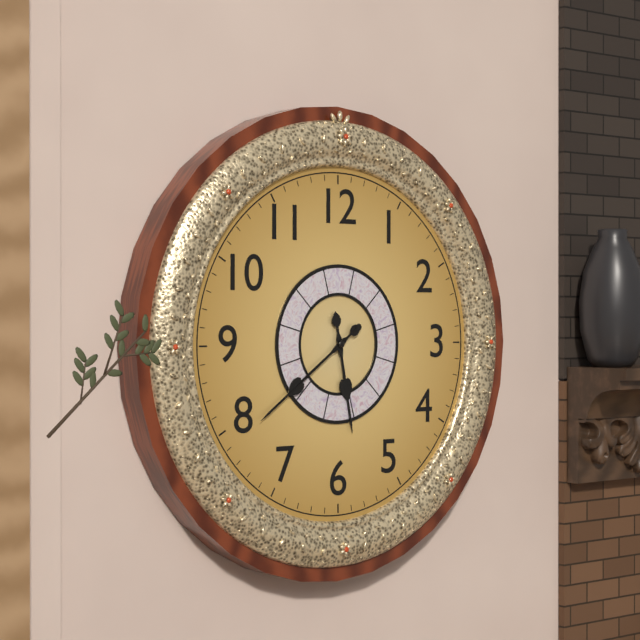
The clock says 5.39.39
